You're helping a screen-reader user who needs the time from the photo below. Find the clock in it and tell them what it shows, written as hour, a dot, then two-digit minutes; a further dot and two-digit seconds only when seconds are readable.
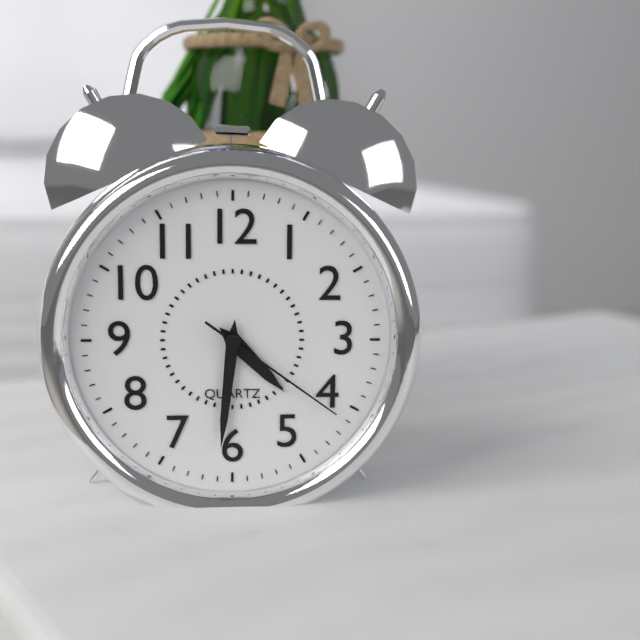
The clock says 4.31.21
